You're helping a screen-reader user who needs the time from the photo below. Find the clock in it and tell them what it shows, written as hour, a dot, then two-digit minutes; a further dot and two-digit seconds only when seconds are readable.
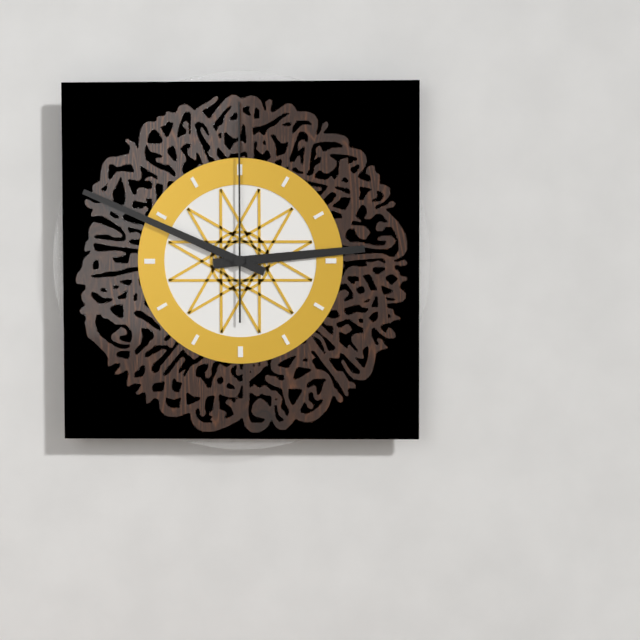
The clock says 2.49.00
